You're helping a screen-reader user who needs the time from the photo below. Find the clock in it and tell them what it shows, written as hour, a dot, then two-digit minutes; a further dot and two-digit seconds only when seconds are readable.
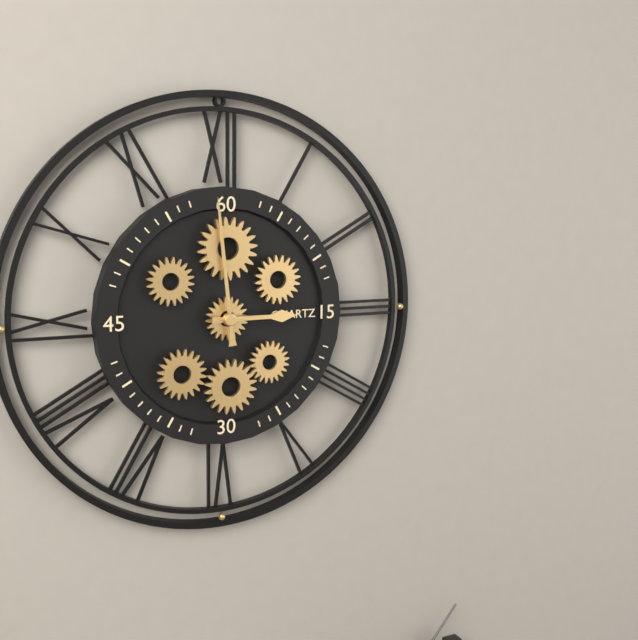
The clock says 2.59
